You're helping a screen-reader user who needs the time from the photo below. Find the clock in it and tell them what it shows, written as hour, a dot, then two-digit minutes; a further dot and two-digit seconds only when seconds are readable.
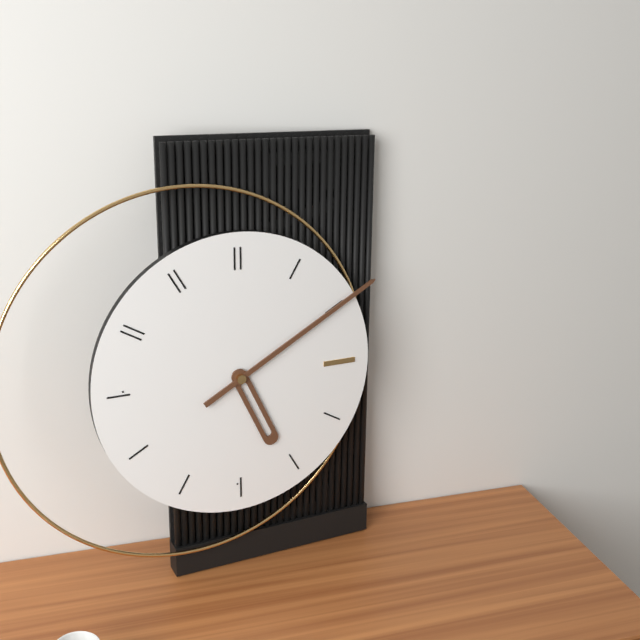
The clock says 5.10
